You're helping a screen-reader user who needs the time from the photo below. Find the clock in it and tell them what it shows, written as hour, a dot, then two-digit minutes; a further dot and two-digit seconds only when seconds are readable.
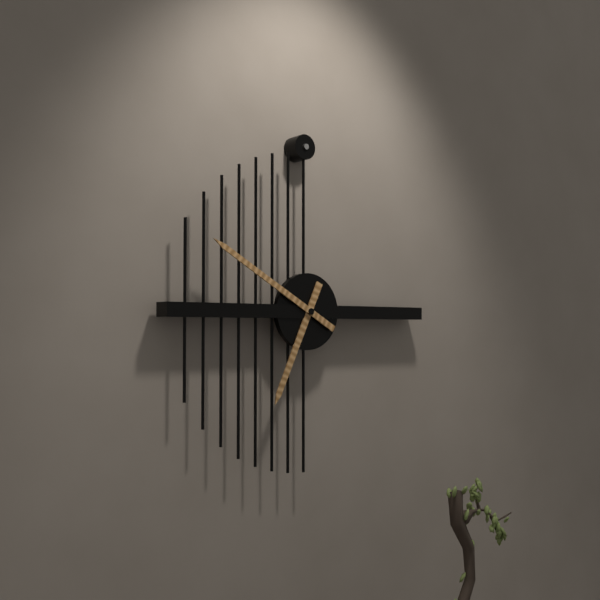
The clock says 6.50
